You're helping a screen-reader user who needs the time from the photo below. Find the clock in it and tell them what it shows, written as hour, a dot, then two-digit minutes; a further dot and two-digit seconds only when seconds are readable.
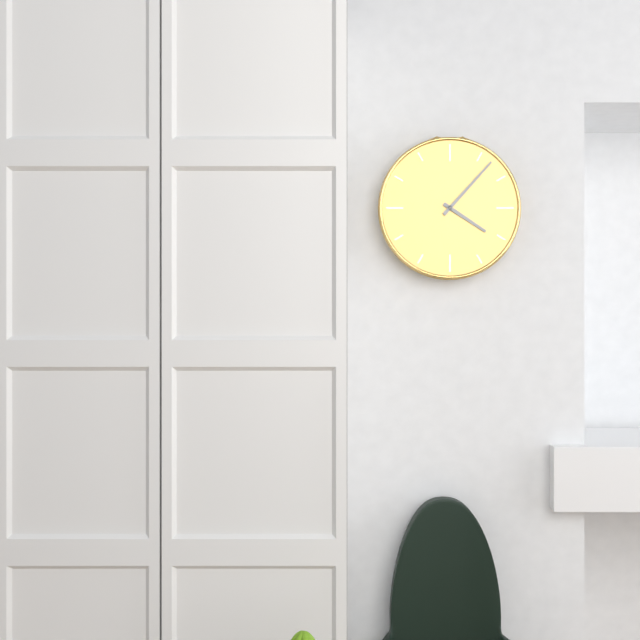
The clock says 4.07
